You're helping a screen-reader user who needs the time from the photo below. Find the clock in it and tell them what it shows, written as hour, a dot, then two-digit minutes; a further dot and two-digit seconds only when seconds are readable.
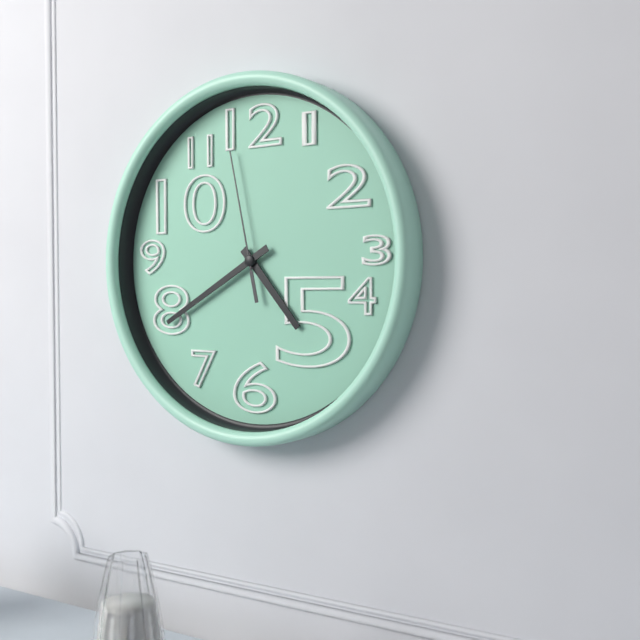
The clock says 4.40.58
